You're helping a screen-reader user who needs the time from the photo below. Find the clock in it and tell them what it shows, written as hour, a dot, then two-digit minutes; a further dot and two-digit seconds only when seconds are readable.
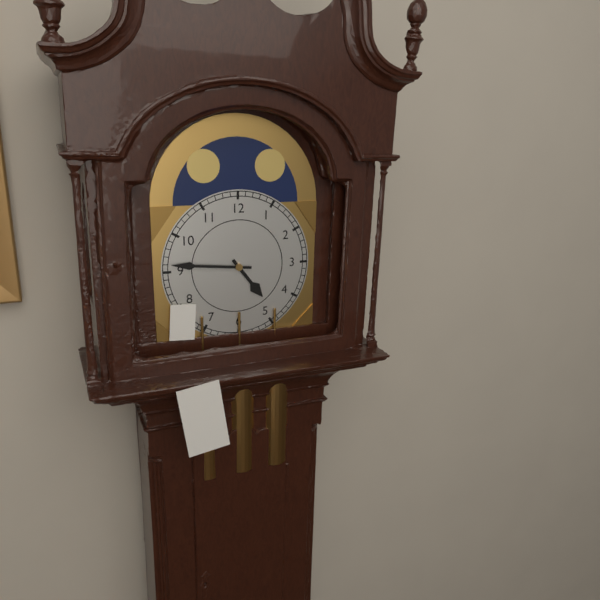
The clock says 4.46
